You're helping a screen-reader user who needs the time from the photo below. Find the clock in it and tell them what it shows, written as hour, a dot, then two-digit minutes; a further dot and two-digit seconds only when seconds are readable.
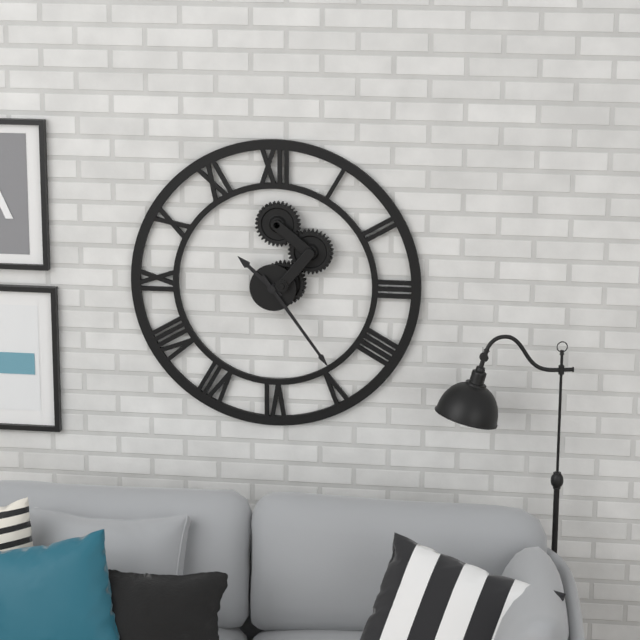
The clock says 10.24
